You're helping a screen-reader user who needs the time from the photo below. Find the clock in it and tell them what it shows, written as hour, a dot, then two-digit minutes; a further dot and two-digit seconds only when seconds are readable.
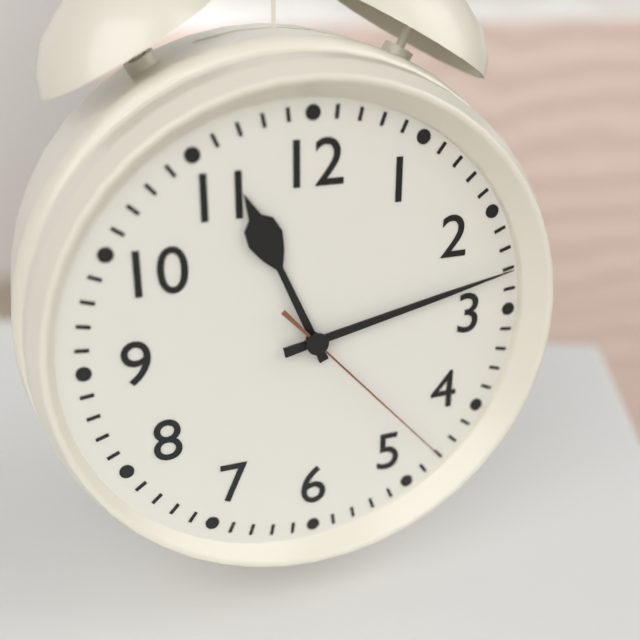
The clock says 11.13.23
